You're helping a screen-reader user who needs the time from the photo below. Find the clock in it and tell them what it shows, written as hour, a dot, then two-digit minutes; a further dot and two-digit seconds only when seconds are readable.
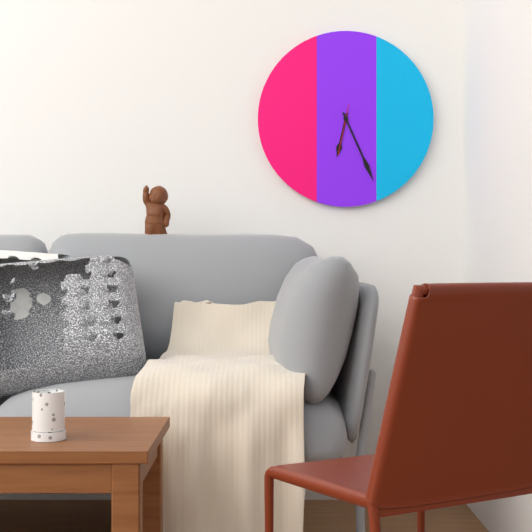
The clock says 6.26
